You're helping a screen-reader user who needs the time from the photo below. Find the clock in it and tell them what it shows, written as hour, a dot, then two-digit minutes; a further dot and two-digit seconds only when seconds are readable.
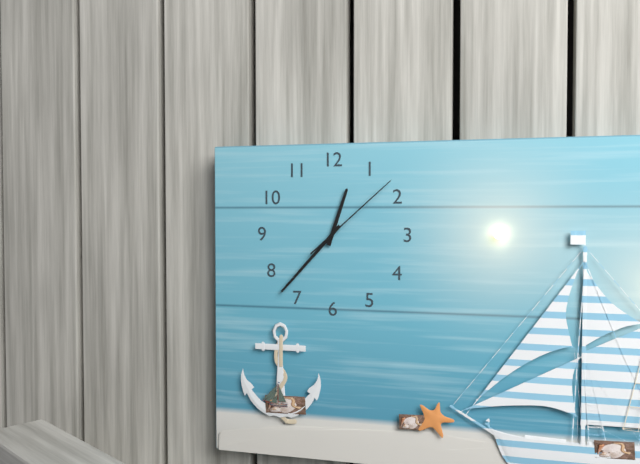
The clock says 12.37.08
